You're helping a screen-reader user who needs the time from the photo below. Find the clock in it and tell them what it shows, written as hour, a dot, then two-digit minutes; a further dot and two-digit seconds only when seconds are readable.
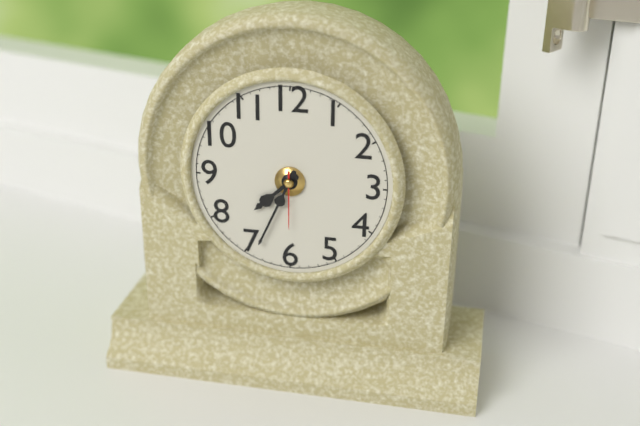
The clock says 7.34.30
